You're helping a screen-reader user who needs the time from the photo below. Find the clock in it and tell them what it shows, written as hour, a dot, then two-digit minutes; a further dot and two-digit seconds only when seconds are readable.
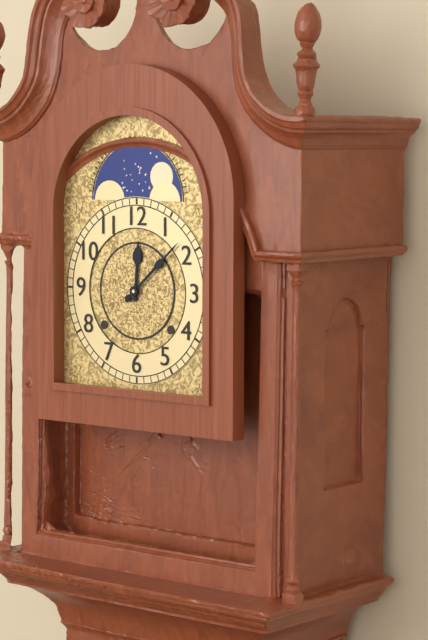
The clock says 12.08
